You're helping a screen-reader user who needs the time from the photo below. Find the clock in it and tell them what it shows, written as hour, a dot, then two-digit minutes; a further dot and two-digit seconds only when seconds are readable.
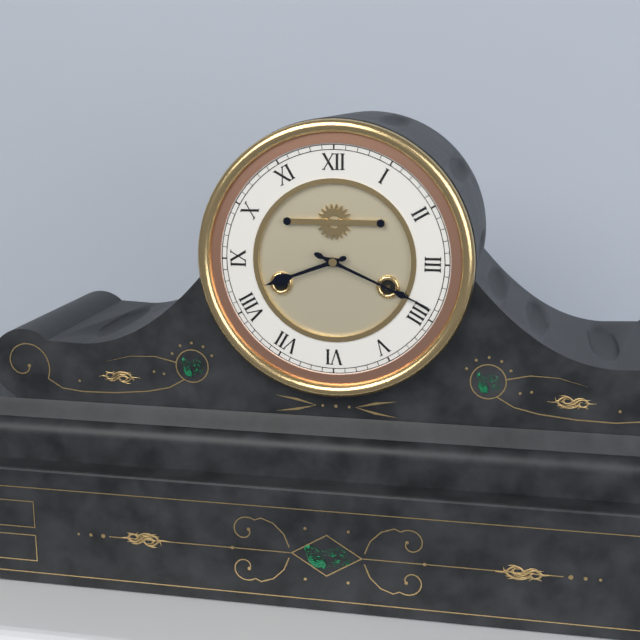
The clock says 8.19
